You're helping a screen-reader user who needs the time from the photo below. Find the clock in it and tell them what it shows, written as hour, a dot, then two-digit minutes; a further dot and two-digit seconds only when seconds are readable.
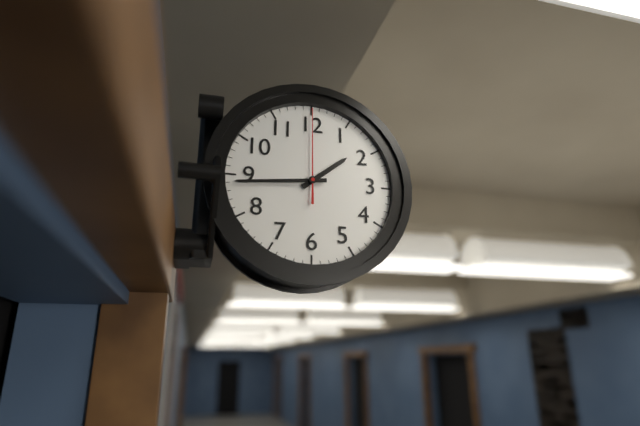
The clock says 1.44.00
